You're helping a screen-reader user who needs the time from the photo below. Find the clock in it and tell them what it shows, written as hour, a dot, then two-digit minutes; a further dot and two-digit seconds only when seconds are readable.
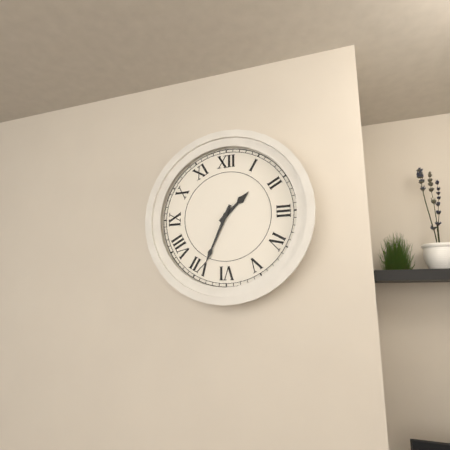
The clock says 1.34
